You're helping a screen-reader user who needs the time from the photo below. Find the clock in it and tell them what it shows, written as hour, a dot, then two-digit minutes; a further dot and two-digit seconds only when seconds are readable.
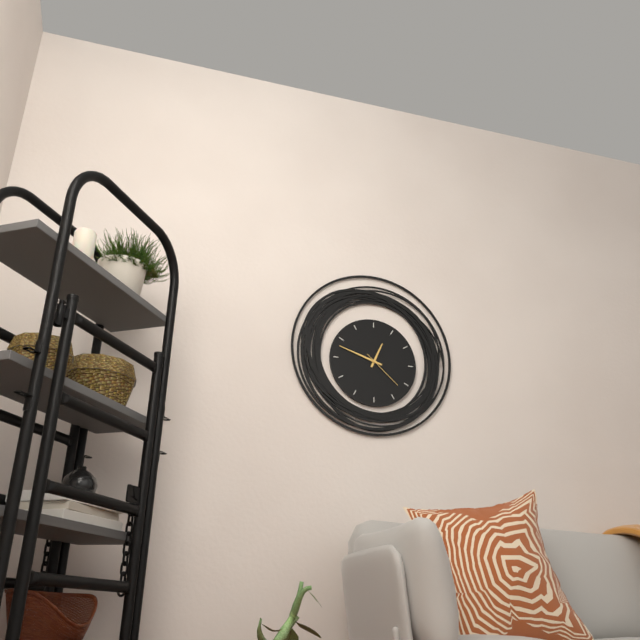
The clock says 12.48
